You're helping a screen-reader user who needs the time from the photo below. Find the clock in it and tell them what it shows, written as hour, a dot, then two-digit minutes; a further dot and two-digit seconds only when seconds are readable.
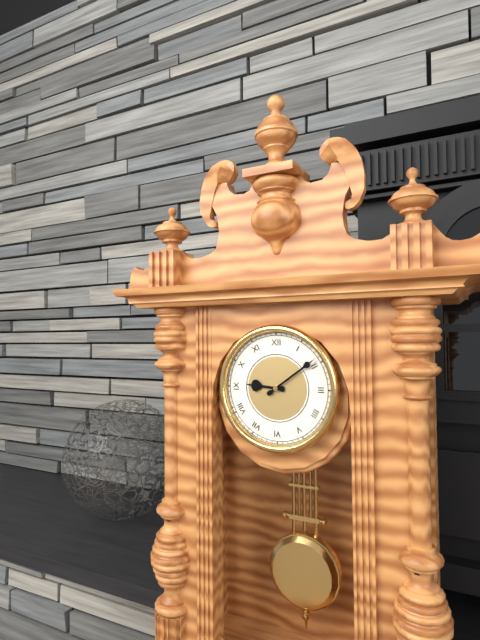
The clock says 9.09
